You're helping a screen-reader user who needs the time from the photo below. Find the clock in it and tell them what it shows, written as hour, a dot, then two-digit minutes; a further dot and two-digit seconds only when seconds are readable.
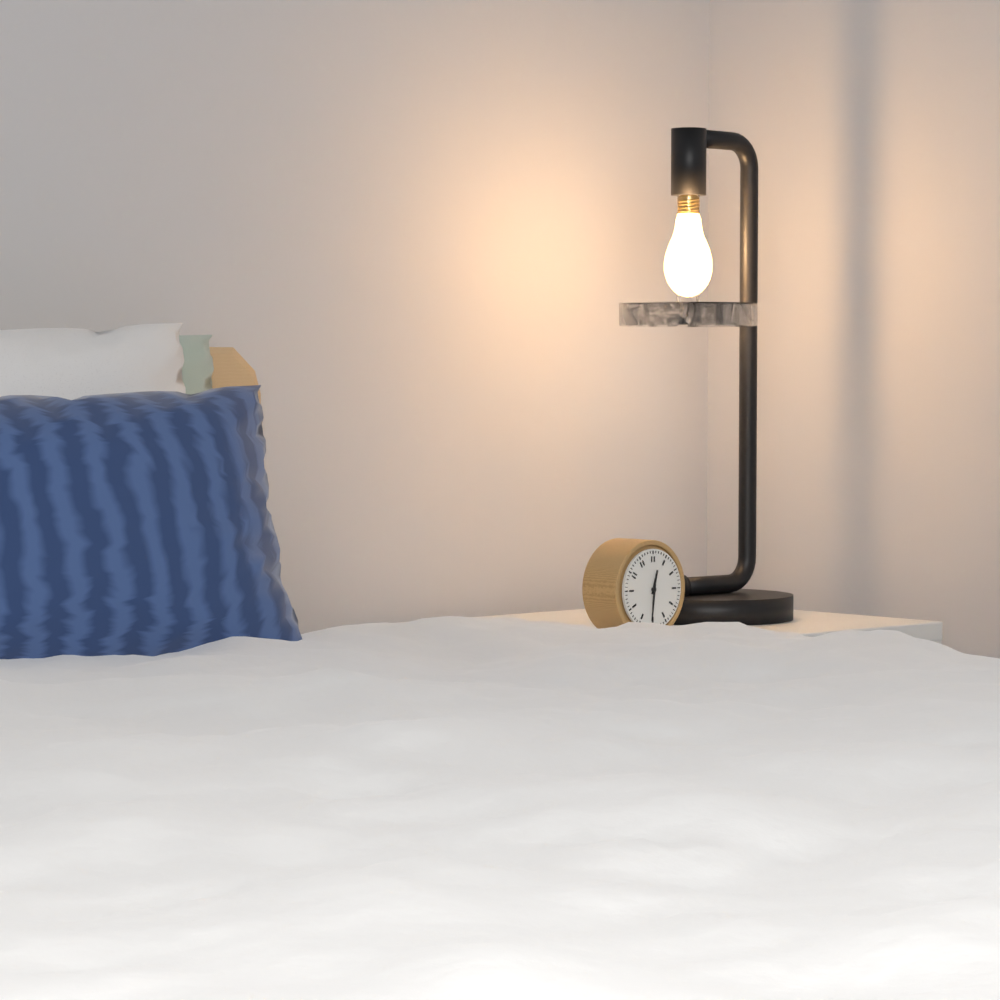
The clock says 12.31
